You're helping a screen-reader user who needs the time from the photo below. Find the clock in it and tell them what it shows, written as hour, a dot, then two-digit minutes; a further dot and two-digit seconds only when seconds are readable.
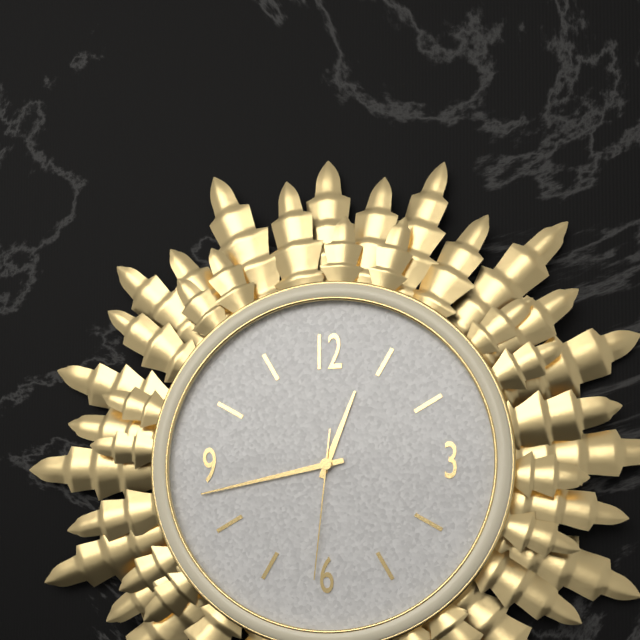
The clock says 12.43.31
